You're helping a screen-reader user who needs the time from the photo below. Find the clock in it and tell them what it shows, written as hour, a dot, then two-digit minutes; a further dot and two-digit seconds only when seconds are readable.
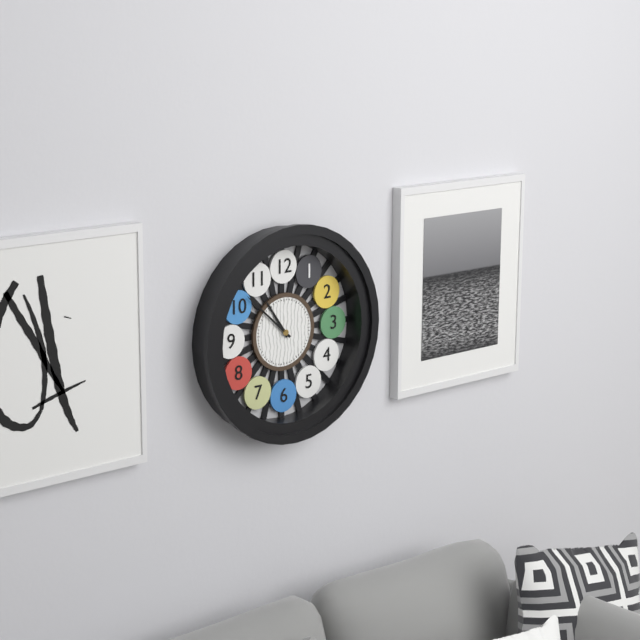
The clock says 10.52
